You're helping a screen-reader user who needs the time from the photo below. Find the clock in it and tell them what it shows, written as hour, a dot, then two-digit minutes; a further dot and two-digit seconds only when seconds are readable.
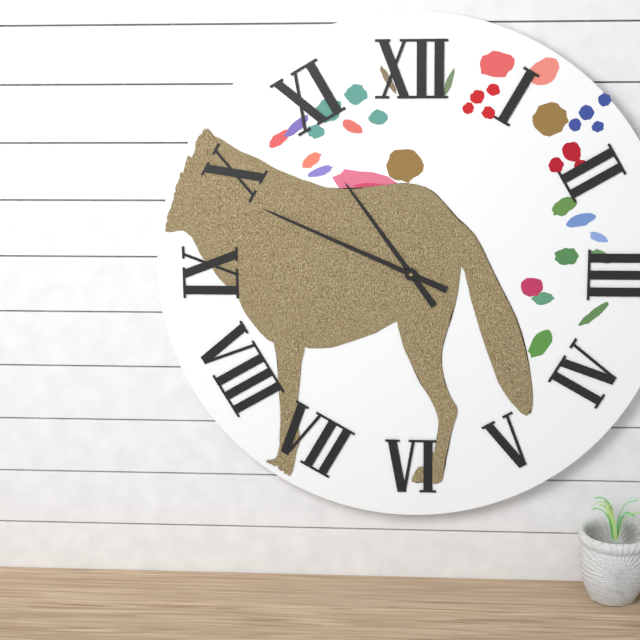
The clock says 10.49
